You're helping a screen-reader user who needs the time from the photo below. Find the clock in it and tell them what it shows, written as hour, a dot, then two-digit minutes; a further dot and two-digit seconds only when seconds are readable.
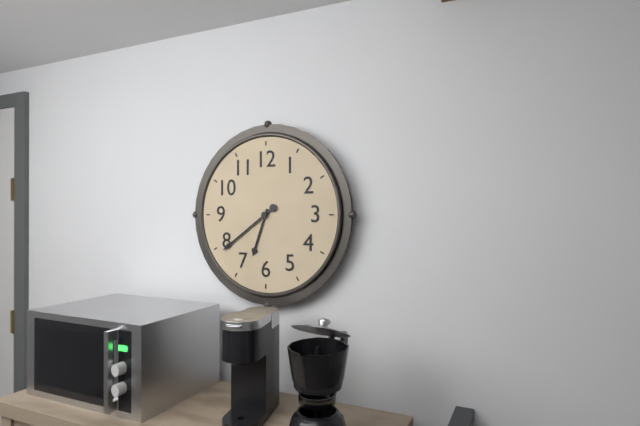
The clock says 6.39
